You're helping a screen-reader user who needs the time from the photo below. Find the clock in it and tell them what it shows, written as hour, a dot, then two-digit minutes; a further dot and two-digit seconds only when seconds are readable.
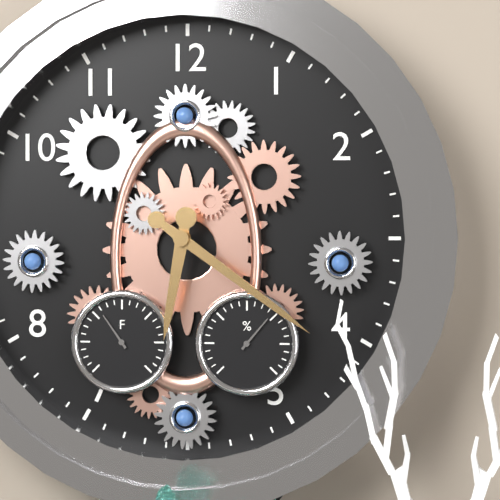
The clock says 6.21
